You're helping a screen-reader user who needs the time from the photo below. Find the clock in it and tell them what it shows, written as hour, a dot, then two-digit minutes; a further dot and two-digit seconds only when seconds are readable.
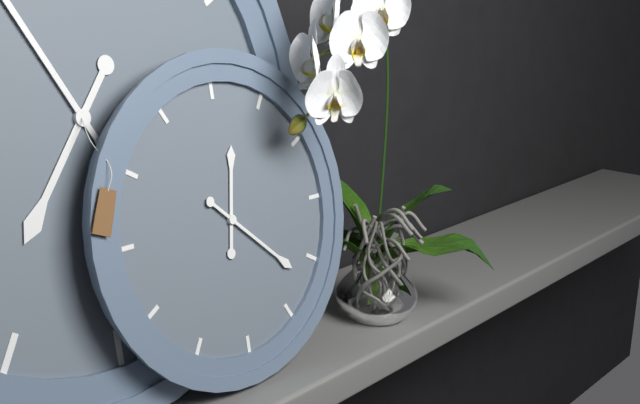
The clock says 12.22
